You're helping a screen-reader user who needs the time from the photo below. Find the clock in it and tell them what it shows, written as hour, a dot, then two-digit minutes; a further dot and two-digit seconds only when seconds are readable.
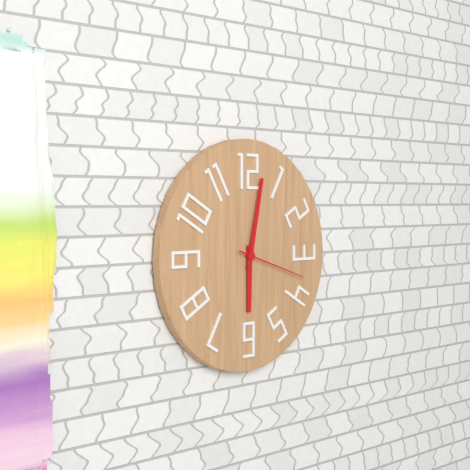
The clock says 6.02.18
